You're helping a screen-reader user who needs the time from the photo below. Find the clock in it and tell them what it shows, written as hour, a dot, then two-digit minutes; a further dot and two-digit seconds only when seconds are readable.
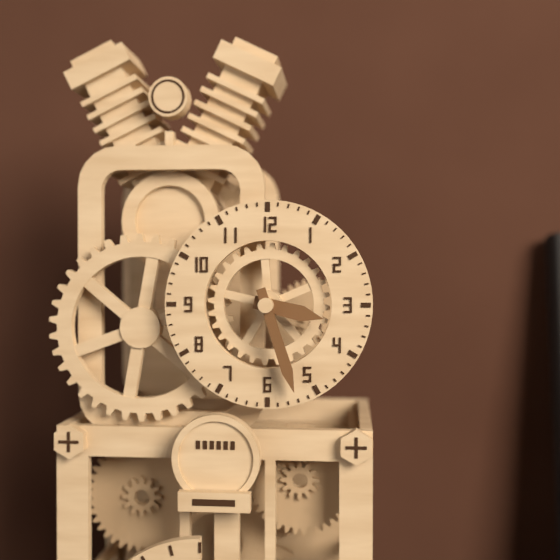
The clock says 3.27
